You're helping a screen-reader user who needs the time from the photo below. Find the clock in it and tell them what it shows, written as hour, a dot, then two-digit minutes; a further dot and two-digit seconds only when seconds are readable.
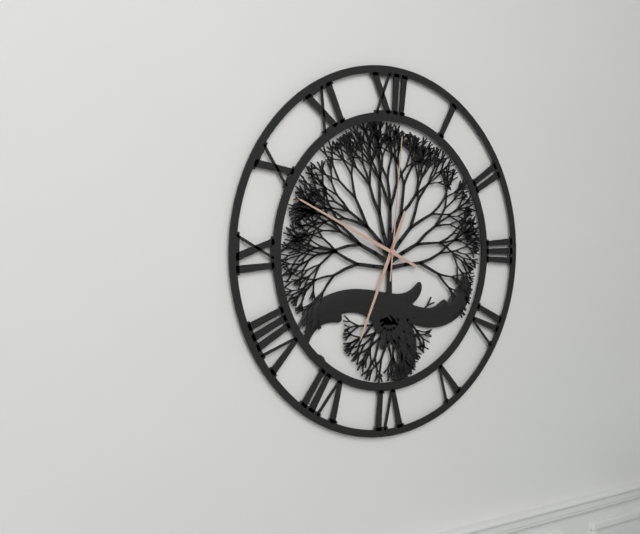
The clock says 6.49.01
